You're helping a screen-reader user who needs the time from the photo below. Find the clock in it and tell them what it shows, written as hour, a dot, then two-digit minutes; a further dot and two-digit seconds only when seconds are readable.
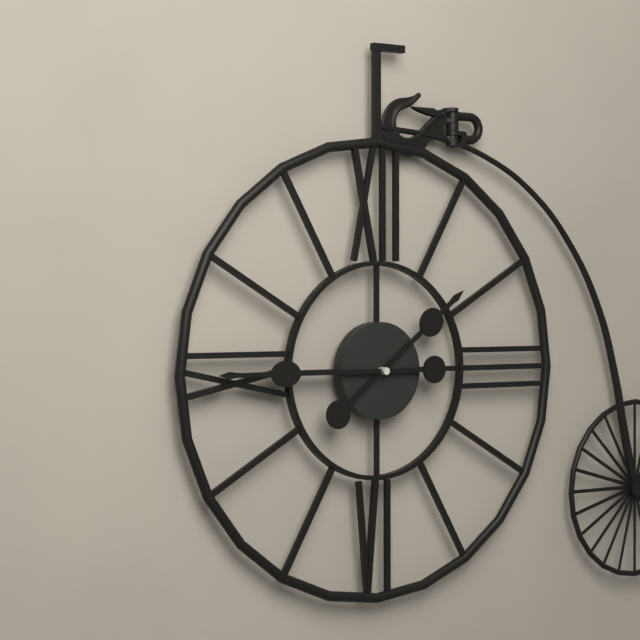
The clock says 1.45
